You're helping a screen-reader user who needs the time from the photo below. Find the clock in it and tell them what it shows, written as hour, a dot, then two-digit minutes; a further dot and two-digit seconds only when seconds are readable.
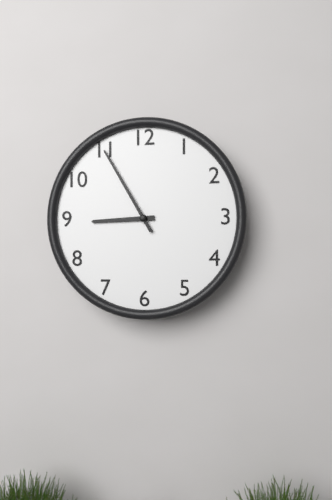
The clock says 8.55
